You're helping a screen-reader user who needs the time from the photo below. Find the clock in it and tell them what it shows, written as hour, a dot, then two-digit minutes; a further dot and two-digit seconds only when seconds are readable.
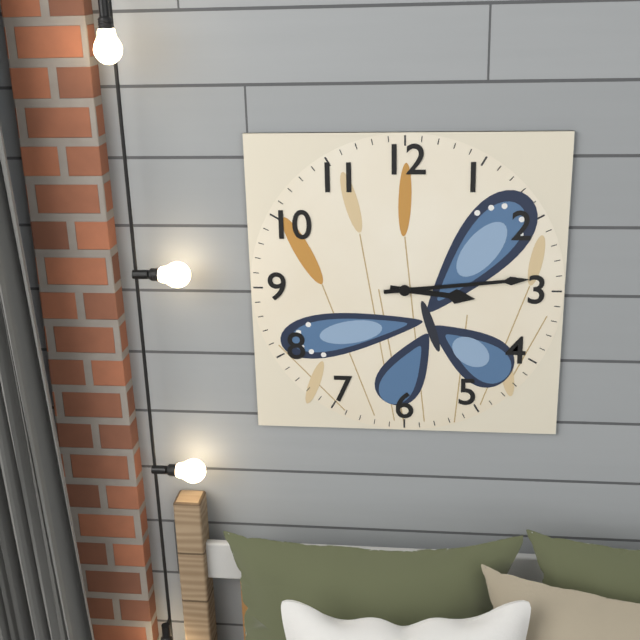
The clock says 3.14
